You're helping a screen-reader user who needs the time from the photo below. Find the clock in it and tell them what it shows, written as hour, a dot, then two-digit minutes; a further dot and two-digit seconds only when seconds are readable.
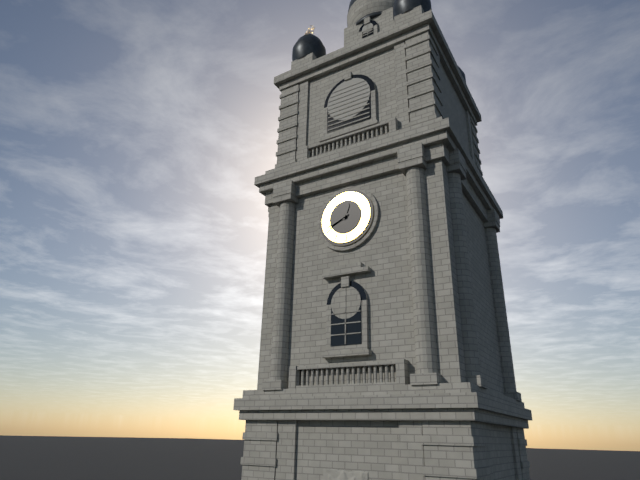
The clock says 12.41
